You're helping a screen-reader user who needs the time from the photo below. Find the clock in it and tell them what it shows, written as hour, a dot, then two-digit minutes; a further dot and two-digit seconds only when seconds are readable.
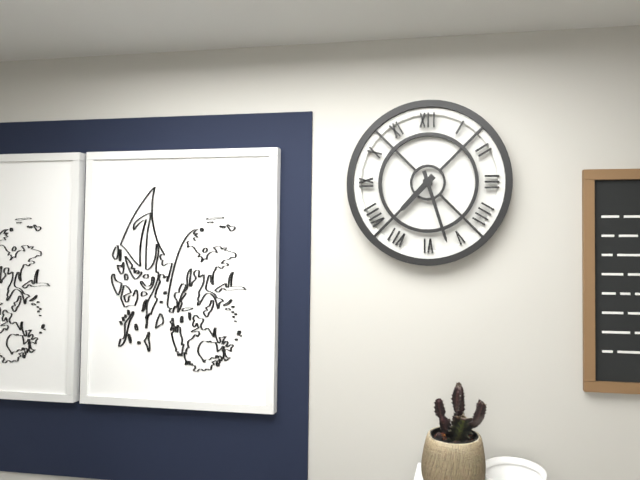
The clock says 7.27
